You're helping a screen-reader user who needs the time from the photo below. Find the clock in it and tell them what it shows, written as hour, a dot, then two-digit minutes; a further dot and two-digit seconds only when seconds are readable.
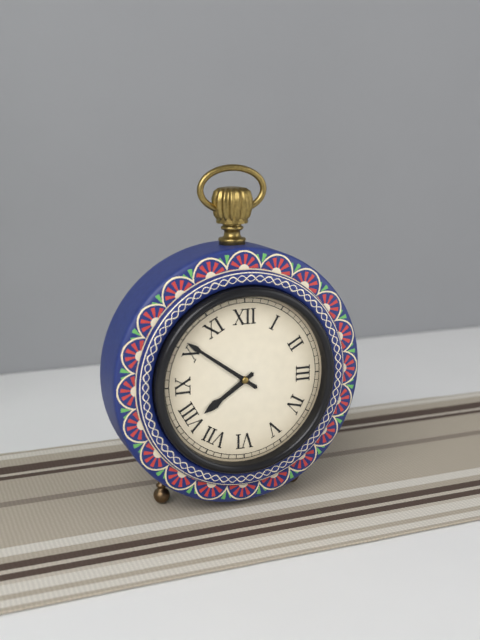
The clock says 7.51
